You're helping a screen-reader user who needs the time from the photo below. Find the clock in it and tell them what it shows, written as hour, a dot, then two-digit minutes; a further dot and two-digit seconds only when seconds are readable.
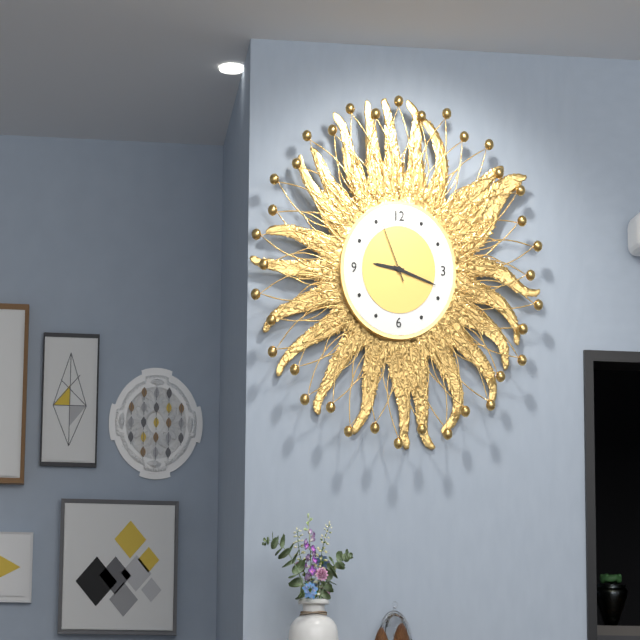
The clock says 9.18.56
